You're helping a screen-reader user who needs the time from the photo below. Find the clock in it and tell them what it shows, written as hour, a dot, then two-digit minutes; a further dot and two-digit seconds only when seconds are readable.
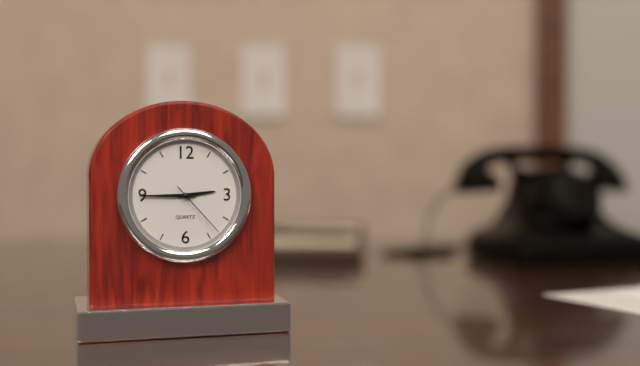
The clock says 2.45.23
